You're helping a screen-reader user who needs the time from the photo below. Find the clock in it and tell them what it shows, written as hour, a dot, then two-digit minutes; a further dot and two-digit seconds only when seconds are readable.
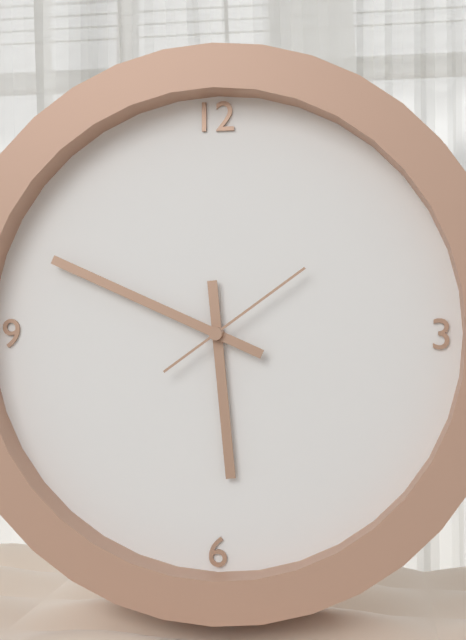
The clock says 5.49.09
